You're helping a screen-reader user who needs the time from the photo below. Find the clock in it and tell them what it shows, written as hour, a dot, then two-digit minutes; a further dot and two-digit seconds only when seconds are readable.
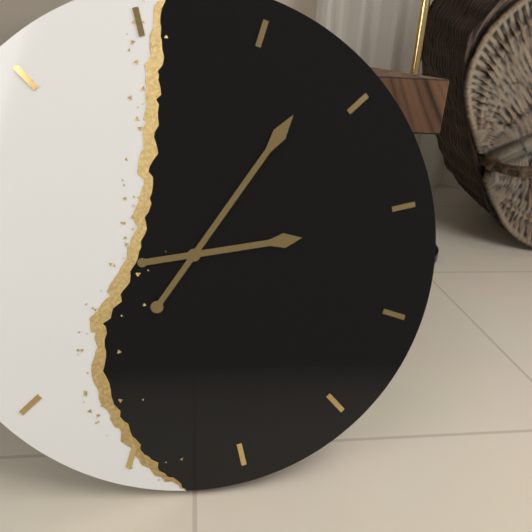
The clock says 3.08
